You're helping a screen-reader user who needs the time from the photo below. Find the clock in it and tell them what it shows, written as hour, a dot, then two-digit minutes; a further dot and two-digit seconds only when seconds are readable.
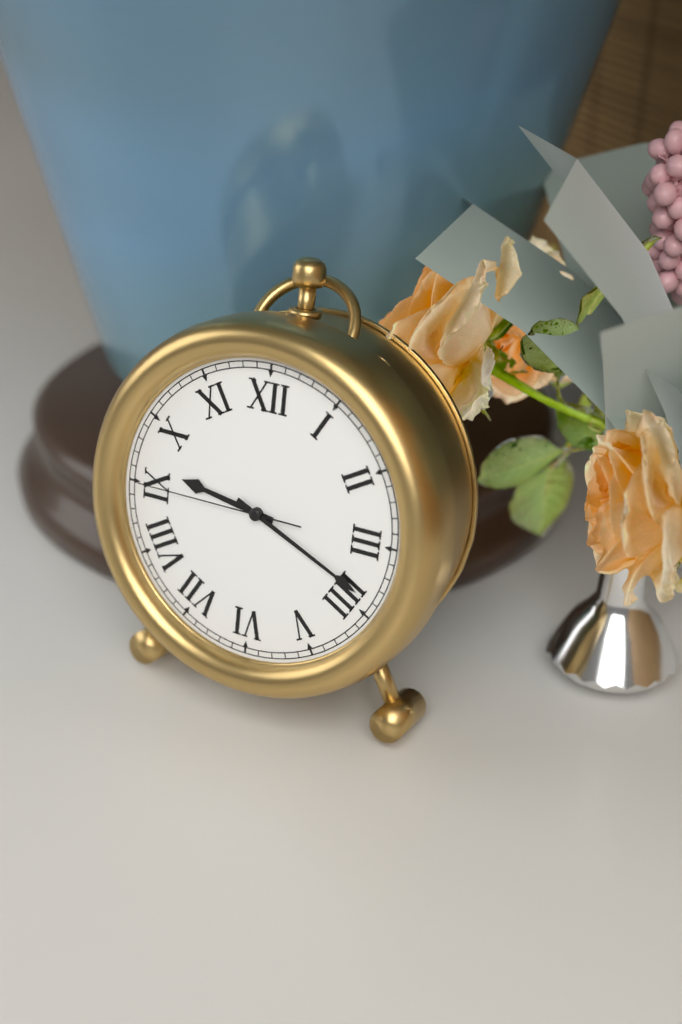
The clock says 9.19.45
